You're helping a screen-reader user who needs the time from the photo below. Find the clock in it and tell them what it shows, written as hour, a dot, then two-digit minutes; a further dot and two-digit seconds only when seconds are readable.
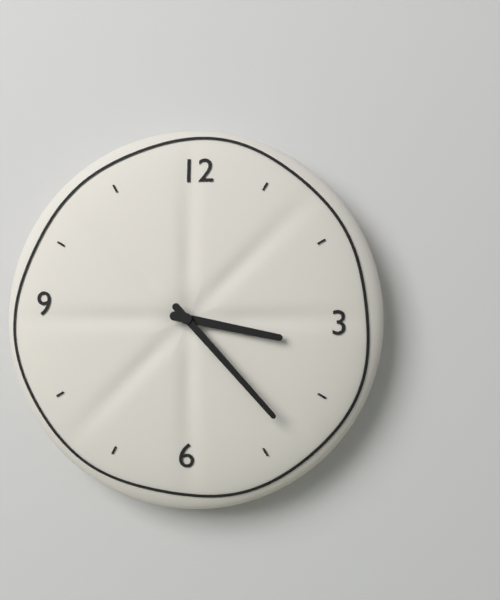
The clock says 3.23
